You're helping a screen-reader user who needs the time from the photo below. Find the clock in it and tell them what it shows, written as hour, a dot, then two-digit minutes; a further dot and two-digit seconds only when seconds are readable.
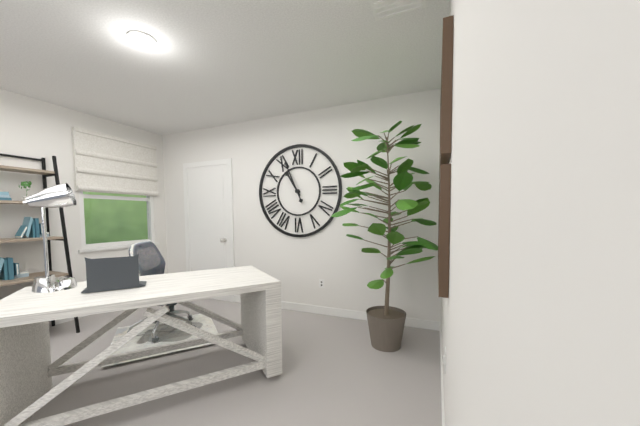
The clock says 10.56
